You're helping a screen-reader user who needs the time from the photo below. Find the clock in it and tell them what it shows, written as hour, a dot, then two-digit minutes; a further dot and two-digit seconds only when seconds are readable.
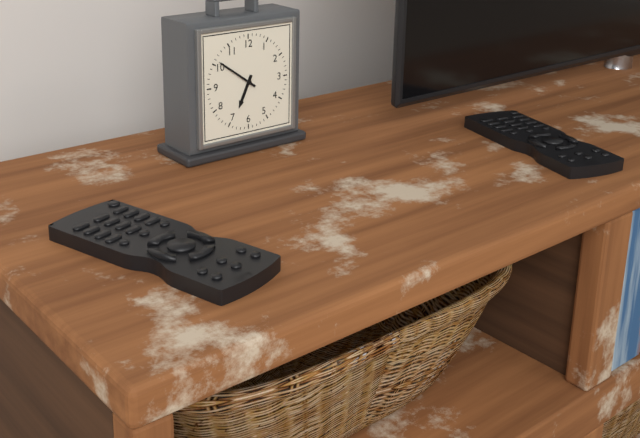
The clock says 6.51
